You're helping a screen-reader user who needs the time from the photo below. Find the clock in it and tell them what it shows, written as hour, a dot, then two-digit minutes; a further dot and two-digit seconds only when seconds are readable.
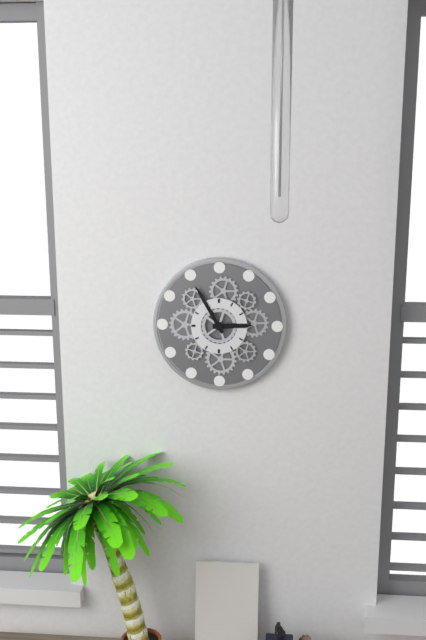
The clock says 2.55
